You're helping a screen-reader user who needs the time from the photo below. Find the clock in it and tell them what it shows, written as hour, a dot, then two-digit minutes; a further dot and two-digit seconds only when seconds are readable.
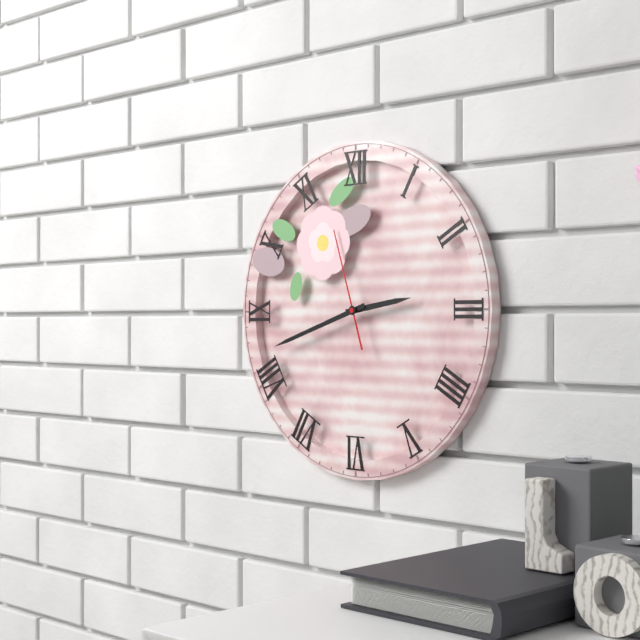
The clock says 2.42.57
